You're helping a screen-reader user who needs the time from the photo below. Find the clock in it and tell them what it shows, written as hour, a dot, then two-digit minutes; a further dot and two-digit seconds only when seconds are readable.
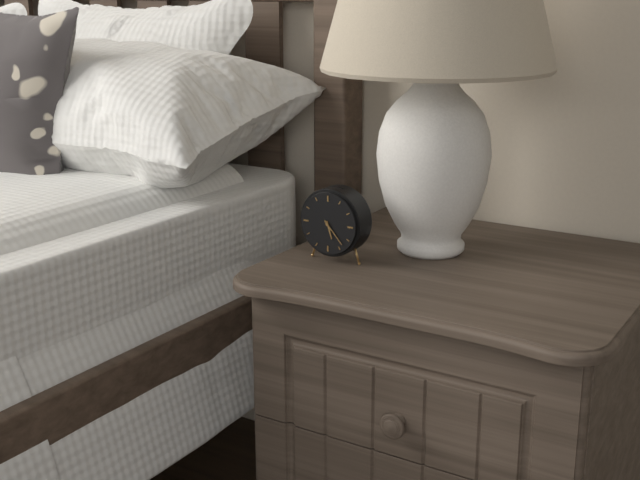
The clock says 5.23
